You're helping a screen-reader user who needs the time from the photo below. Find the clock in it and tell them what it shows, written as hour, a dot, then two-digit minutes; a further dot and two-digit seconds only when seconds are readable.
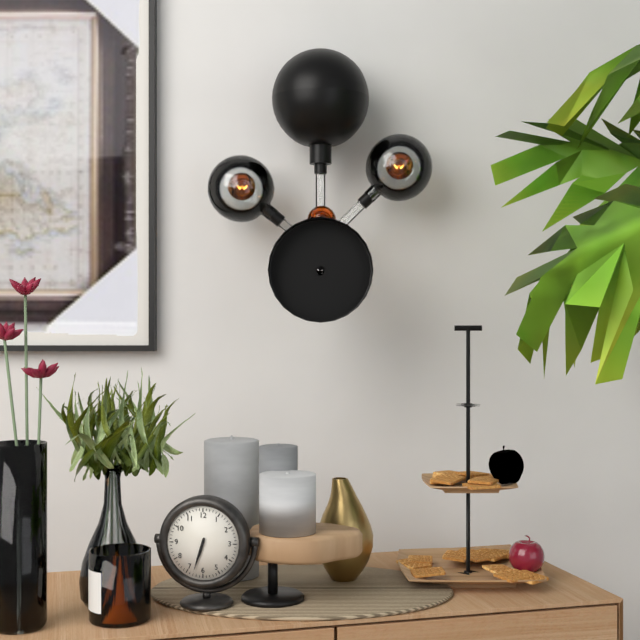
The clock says 6.33
